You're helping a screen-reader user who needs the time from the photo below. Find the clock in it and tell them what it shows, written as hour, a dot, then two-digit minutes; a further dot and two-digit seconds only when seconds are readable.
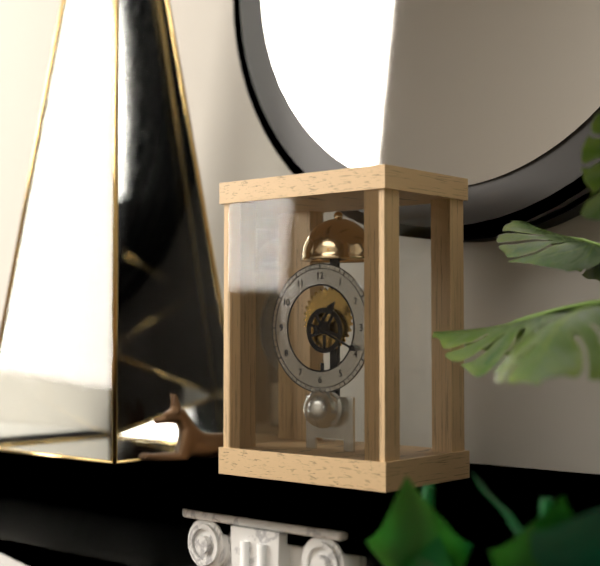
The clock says 1.19
